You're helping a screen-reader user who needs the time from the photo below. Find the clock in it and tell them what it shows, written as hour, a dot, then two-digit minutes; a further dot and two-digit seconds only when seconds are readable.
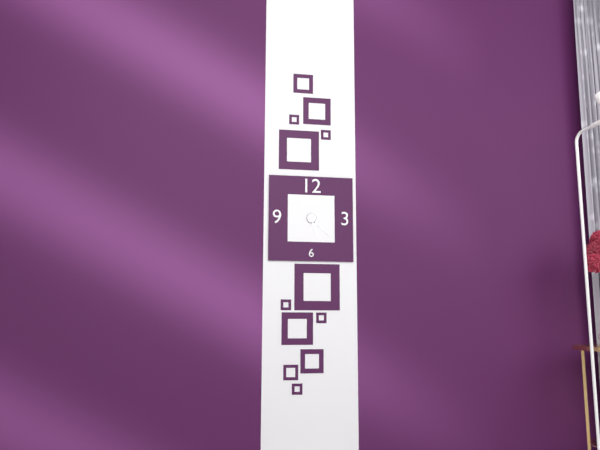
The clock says 5.22
